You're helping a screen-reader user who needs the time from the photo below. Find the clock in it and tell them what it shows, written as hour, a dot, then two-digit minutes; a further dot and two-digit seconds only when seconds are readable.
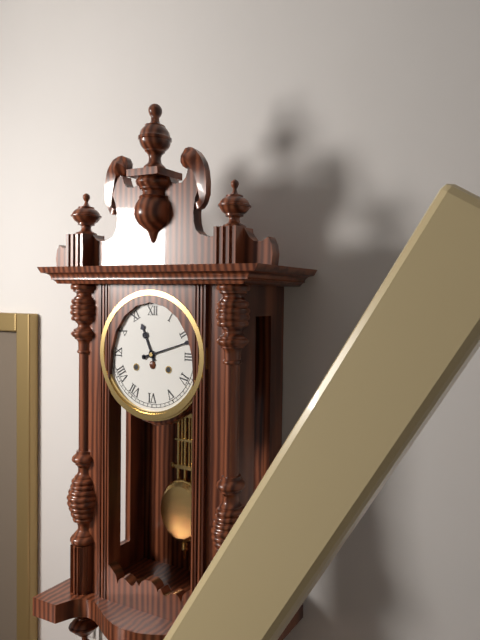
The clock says 11.12
